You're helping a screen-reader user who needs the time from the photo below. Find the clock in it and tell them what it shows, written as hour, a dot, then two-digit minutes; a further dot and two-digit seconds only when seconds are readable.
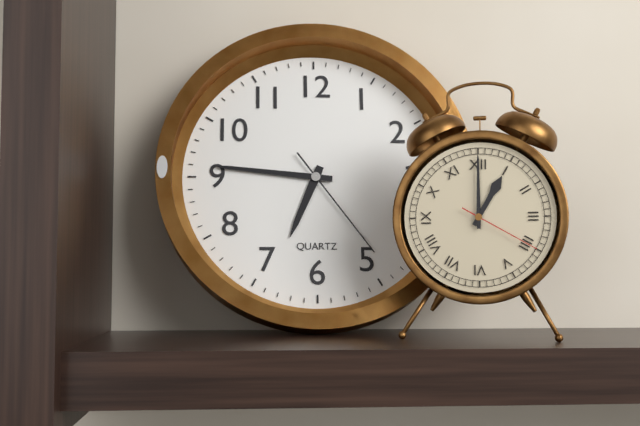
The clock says 6.46.24
